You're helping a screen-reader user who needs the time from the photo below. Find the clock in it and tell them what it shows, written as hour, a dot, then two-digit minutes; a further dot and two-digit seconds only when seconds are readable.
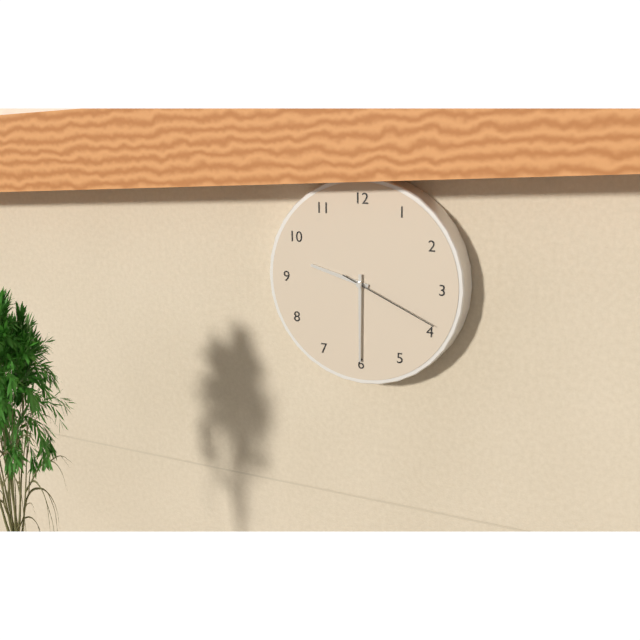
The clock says 9.30.19
